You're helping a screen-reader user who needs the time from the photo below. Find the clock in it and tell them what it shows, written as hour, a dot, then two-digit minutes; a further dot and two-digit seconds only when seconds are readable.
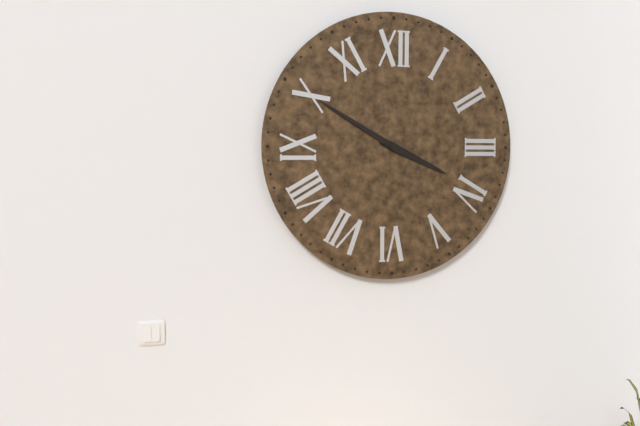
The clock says 3.50
